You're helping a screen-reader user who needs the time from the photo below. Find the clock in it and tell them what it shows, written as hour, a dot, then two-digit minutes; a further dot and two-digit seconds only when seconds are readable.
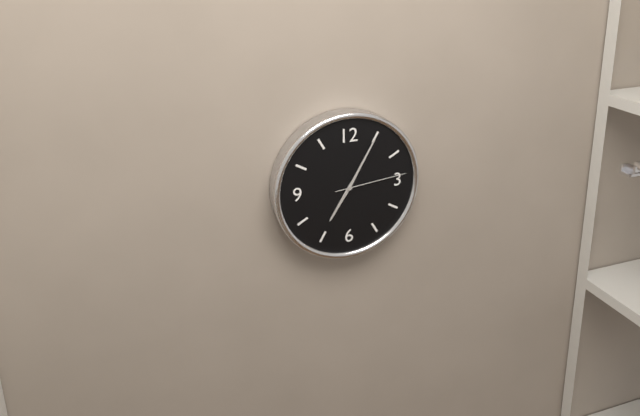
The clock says 7.05.14
